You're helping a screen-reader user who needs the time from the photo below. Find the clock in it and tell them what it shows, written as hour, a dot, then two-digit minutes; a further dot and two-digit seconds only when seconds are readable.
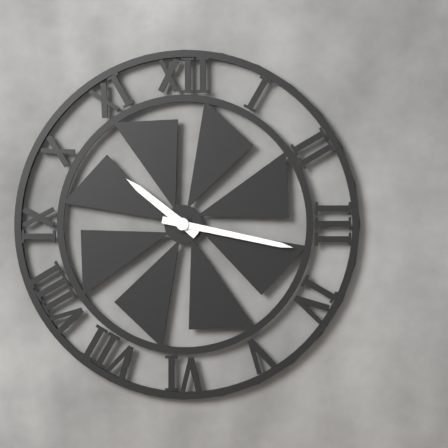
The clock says 10.17
